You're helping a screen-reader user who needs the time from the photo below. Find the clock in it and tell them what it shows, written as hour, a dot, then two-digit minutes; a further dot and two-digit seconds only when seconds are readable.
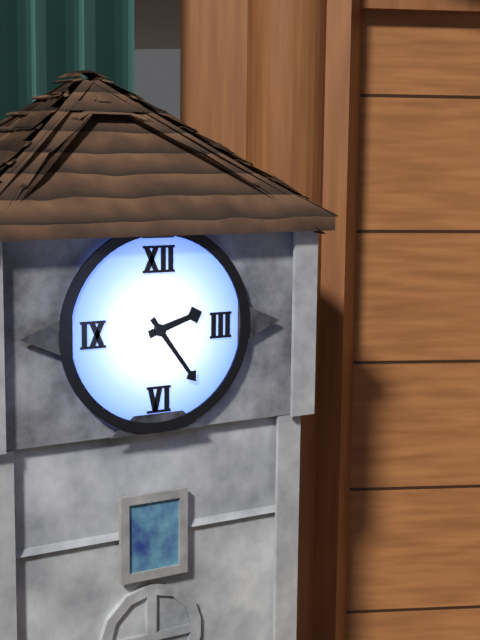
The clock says 2.24
